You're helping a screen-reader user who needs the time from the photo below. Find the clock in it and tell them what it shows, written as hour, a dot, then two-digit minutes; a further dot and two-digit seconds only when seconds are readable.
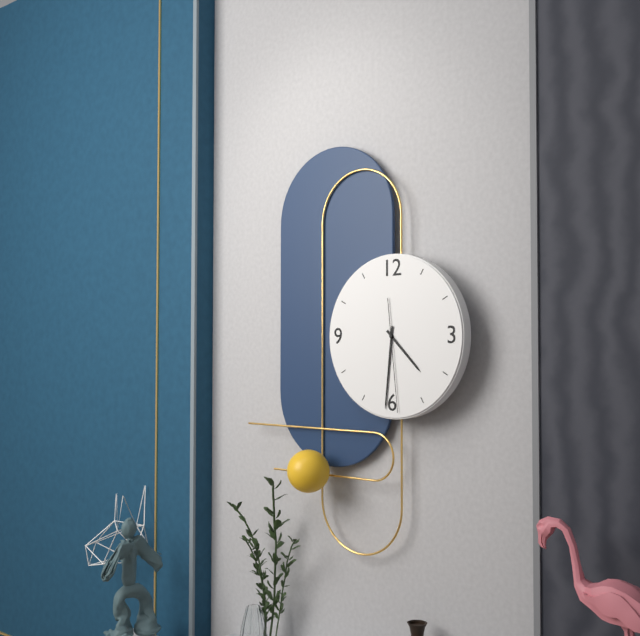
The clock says 4.31.29
